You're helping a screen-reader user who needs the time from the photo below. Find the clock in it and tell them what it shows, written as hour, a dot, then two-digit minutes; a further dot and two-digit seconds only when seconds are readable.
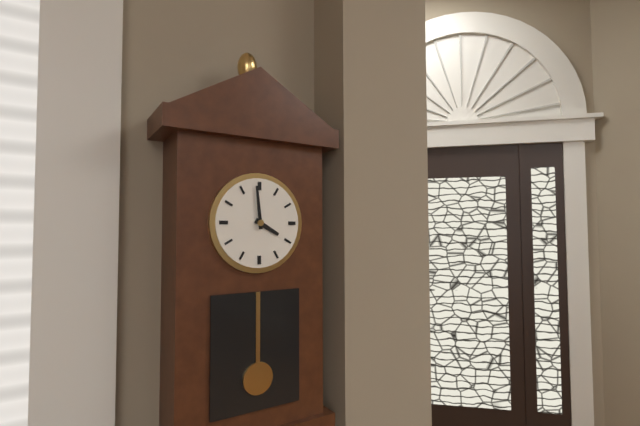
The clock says 3.59
